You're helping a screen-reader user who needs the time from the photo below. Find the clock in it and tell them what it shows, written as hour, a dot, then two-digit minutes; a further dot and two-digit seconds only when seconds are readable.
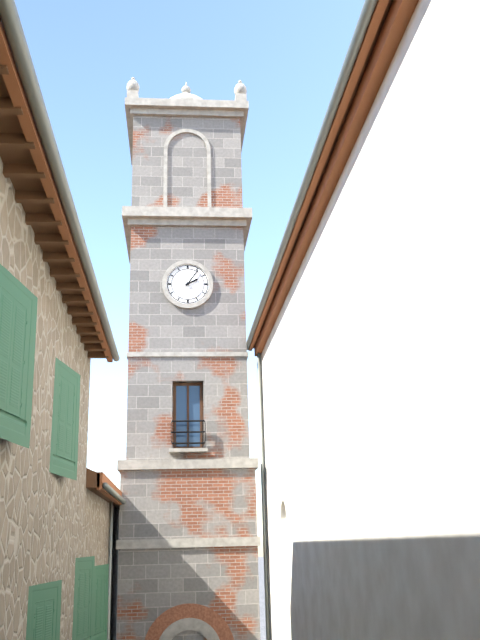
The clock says 2.06
